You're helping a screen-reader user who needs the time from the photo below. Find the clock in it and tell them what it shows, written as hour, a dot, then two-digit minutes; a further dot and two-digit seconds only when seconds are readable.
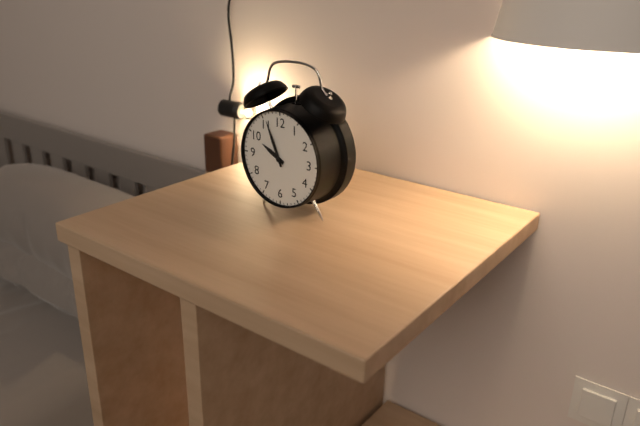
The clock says 9.56
